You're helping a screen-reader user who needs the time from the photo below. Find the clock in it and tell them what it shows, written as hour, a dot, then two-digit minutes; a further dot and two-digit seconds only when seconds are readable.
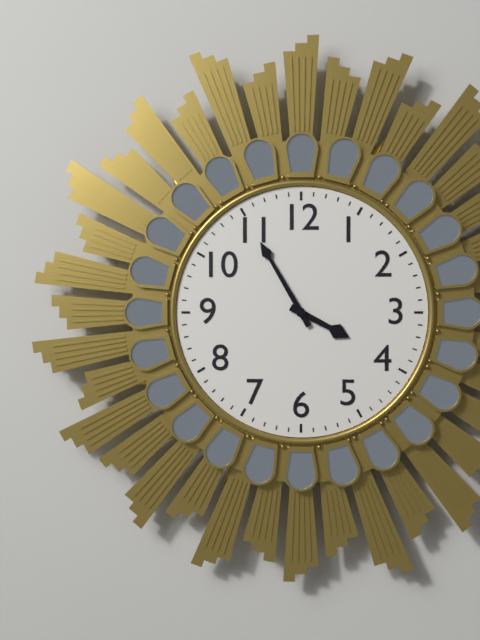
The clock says 3.55
